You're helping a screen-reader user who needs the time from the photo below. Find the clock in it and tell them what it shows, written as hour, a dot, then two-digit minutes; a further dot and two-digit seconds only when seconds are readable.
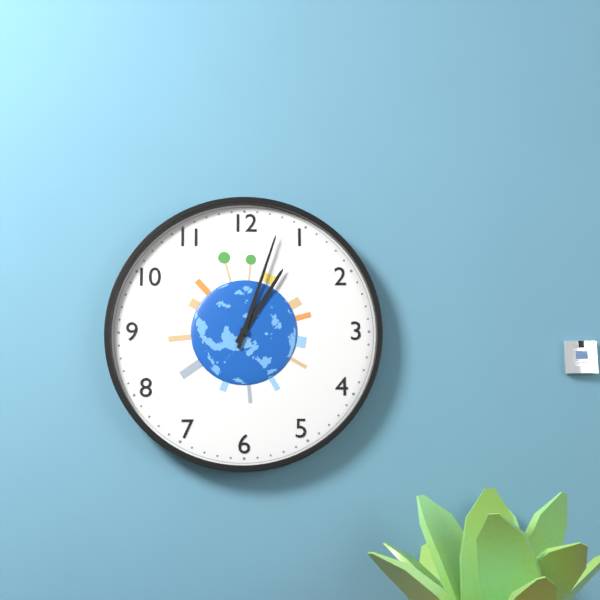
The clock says 1.03
